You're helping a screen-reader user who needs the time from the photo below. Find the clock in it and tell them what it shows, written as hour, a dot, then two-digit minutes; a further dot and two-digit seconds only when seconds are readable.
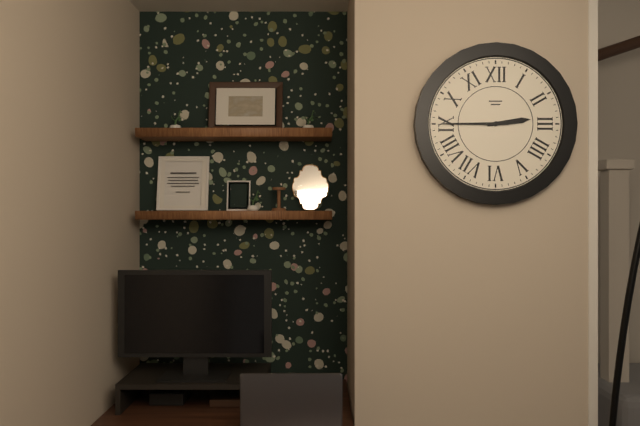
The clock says 2.45
